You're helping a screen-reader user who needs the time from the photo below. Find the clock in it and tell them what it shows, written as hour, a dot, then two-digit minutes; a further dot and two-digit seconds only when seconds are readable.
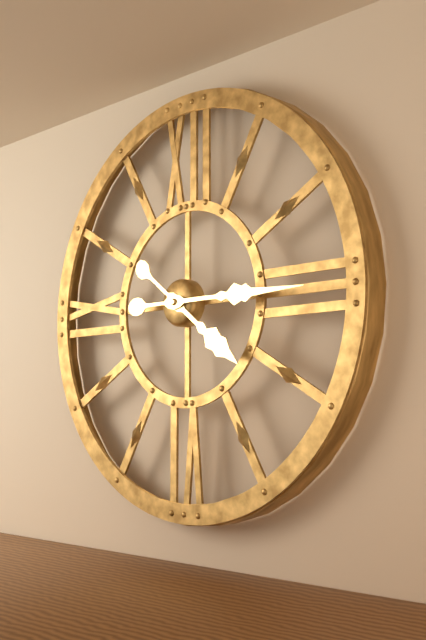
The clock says 4.15
